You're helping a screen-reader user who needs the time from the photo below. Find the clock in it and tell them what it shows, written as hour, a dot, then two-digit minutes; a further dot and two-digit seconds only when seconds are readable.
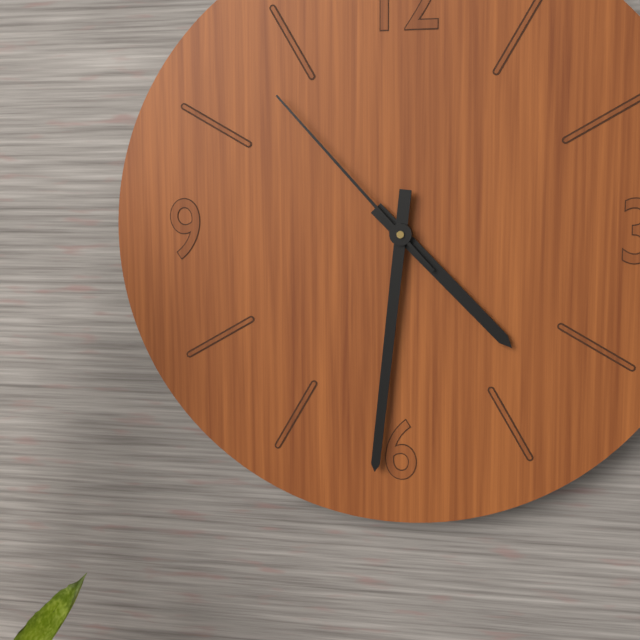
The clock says 4.31.53
